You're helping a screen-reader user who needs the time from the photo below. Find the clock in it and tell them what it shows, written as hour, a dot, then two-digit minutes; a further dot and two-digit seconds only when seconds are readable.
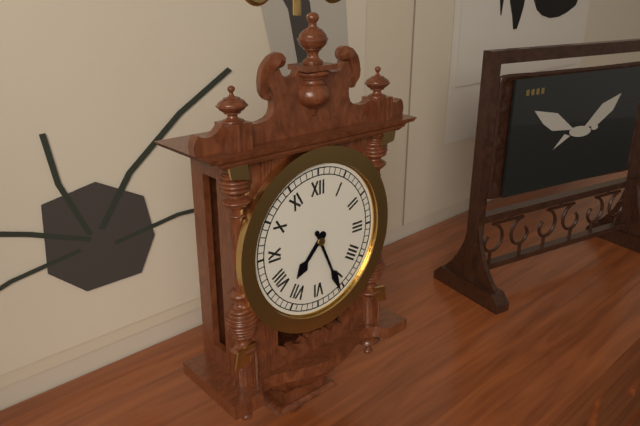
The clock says 7.26
